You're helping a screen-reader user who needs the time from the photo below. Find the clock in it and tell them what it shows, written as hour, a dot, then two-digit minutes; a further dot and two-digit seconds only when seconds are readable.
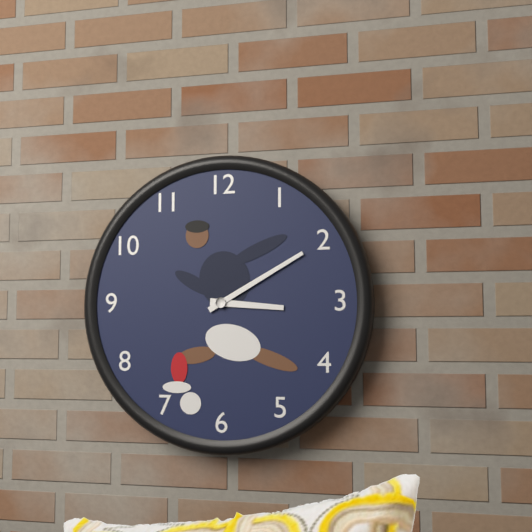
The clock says 3.10
